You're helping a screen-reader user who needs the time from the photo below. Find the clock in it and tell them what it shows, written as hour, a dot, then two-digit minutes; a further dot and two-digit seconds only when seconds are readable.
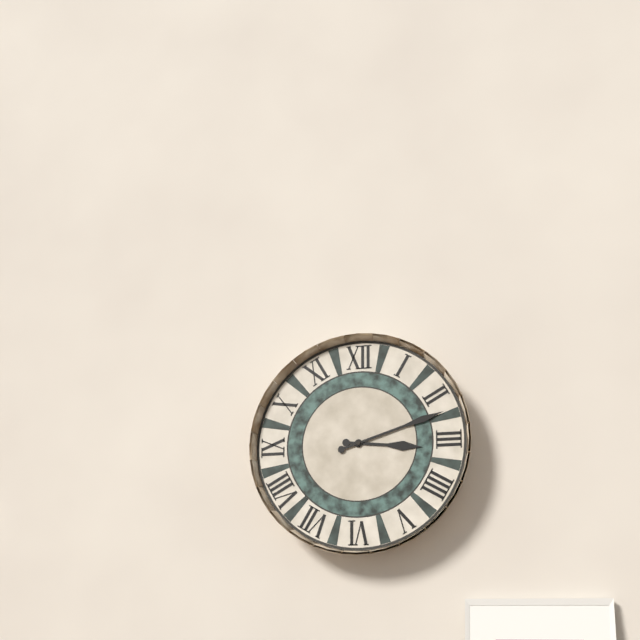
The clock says 3.12
